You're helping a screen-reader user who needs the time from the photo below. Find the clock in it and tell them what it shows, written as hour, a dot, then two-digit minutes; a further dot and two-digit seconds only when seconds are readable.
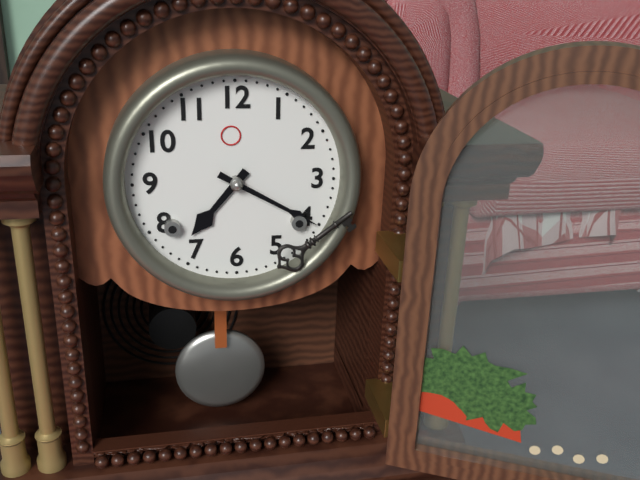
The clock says 7.20
